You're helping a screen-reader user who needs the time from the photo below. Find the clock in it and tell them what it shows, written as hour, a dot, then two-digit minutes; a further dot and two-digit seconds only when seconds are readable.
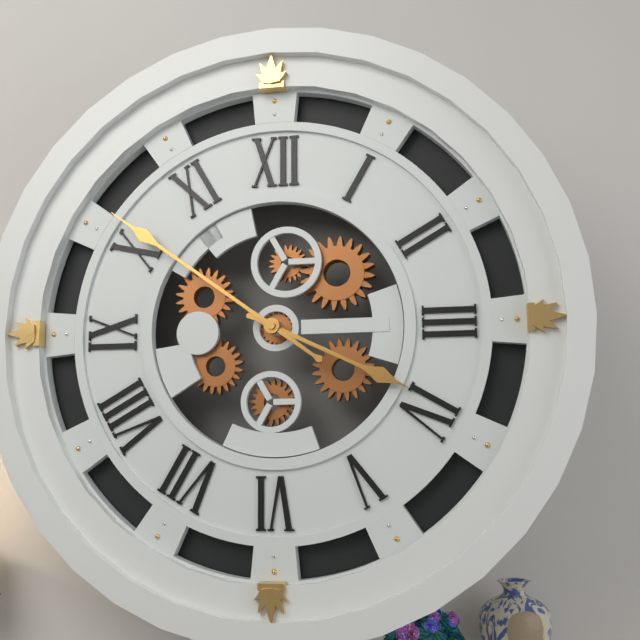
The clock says 3.51
